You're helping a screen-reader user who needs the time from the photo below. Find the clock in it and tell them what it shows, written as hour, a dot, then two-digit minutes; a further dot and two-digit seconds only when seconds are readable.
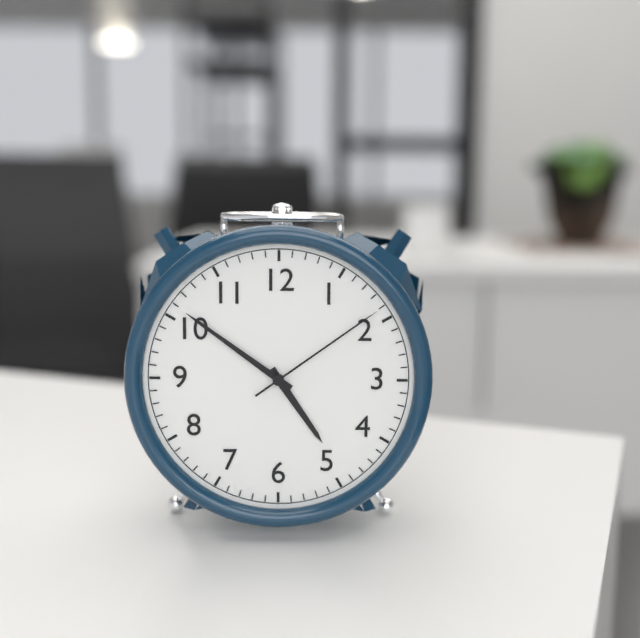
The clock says 4.51.09
